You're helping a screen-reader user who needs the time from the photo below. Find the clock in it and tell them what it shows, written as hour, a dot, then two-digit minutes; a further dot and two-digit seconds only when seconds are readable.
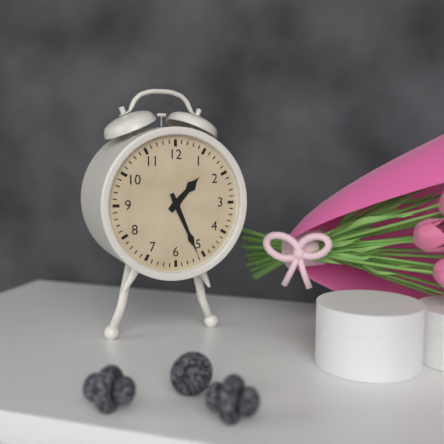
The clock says 1.26
